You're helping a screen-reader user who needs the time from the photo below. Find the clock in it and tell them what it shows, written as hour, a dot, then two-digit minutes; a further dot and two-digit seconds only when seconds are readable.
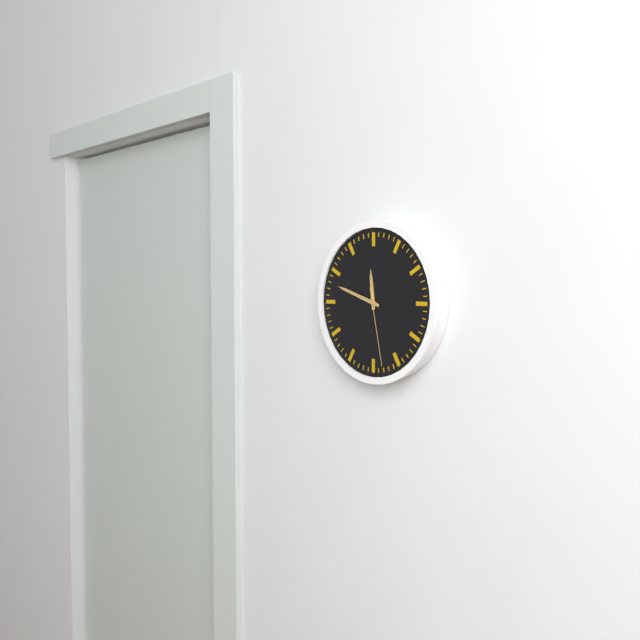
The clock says 11.48.28
